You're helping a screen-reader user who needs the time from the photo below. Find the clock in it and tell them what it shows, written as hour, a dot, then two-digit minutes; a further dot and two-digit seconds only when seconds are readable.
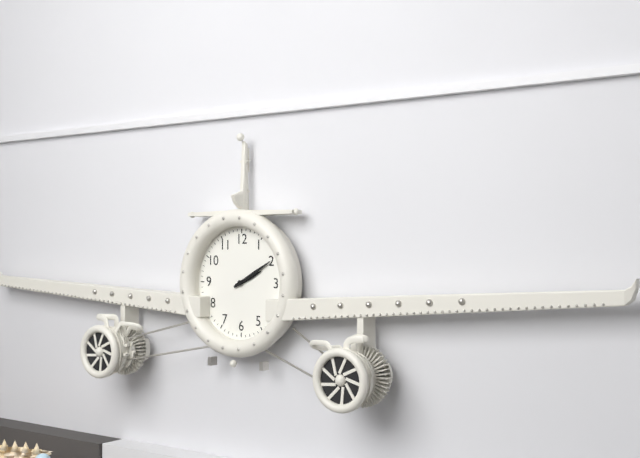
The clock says 2.10
